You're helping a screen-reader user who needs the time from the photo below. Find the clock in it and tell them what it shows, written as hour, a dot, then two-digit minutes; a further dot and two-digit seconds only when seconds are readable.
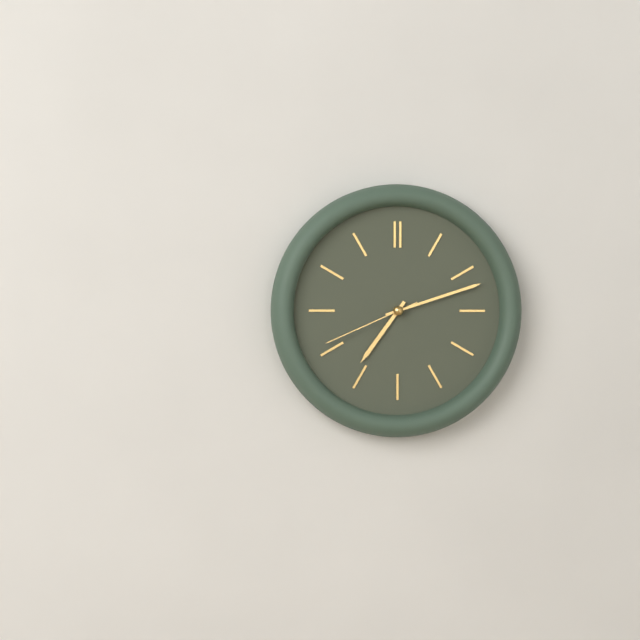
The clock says 7.12.41
